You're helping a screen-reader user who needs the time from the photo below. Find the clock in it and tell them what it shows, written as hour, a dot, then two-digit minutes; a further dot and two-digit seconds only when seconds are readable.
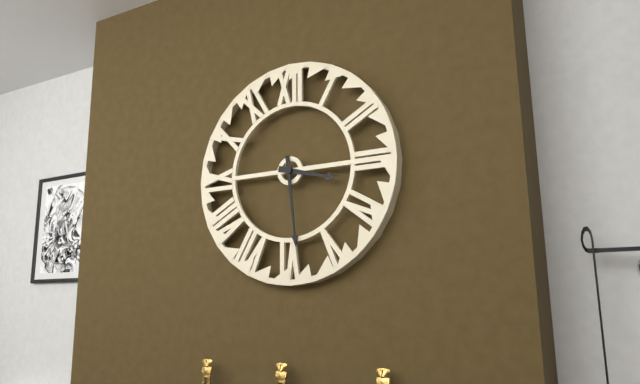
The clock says 3.29
